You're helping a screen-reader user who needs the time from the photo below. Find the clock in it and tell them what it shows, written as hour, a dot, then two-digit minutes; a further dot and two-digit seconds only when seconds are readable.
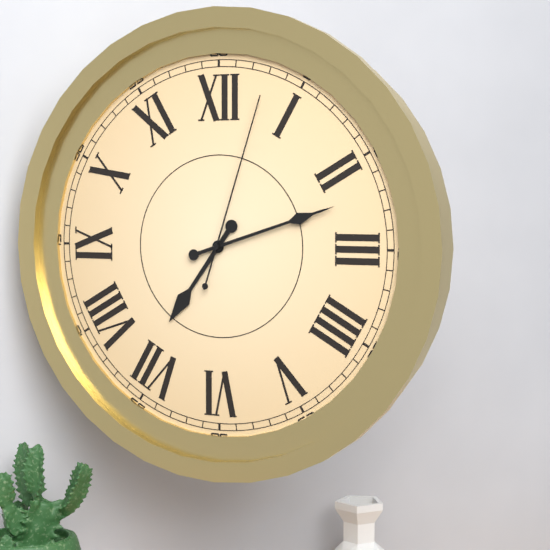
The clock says 7.12.03
